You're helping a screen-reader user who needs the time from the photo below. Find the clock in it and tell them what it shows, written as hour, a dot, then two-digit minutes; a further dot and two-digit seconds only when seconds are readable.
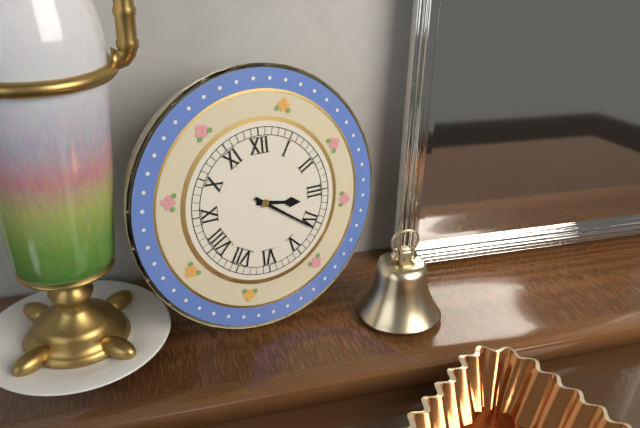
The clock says 3.21
